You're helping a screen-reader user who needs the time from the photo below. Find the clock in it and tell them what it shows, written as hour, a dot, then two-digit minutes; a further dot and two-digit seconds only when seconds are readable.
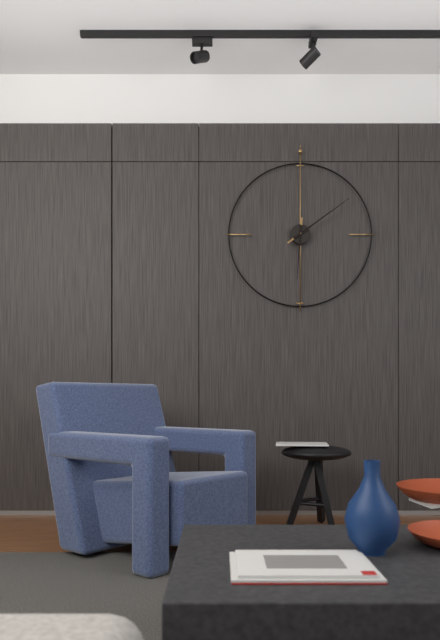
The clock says 6.09
